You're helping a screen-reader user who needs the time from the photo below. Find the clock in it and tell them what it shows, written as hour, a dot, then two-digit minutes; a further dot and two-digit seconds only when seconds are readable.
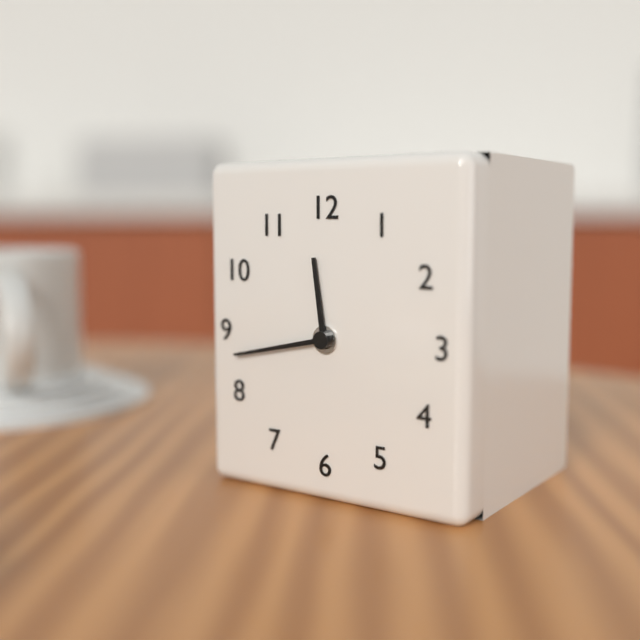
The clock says 11.43
